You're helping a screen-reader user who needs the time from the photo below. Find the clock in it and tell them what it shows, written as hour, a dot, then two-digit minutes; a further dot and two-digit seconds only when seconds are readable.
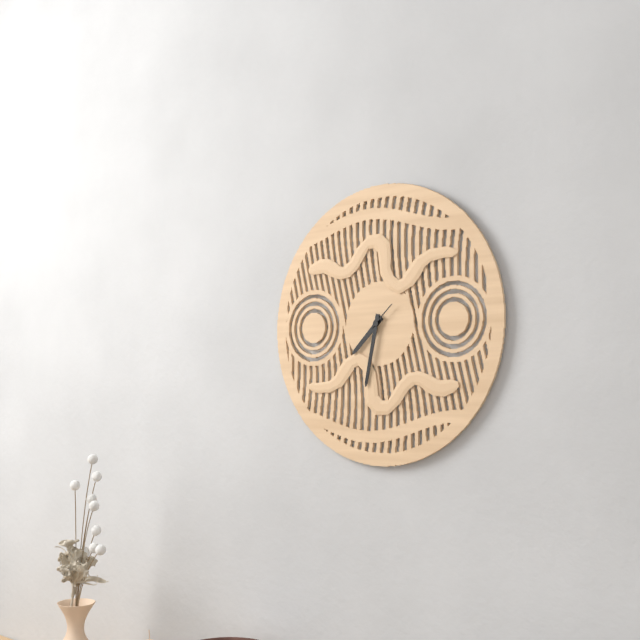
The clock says 7.32
